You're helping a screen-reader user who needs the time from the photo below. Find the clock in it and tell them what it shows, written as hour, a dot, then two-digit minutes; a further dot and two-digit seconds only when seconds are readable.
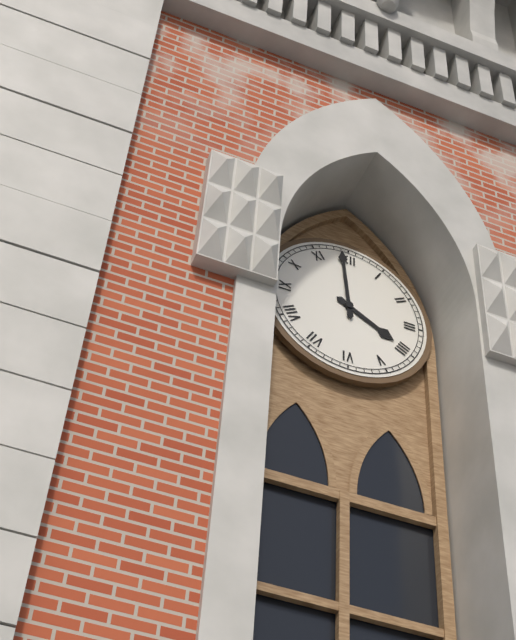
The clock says 3.59
